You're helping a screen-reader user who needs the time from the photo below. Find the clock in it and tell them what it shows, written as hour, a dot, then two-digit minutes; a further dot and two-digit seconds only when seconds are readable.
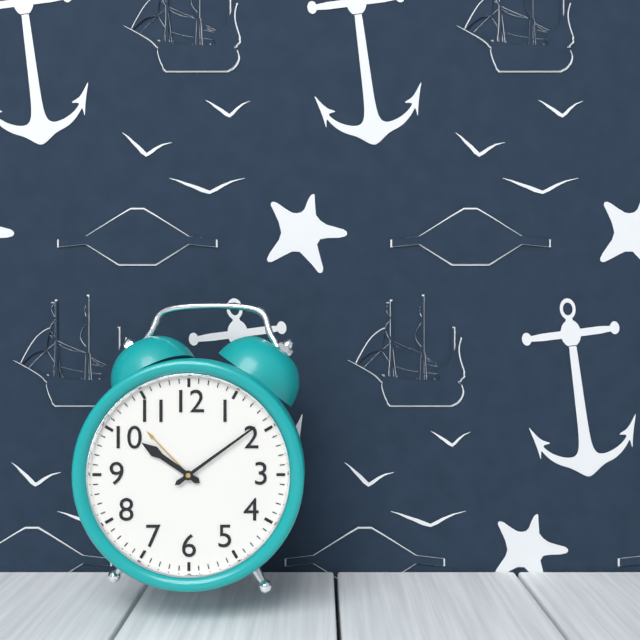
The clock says 10.09
